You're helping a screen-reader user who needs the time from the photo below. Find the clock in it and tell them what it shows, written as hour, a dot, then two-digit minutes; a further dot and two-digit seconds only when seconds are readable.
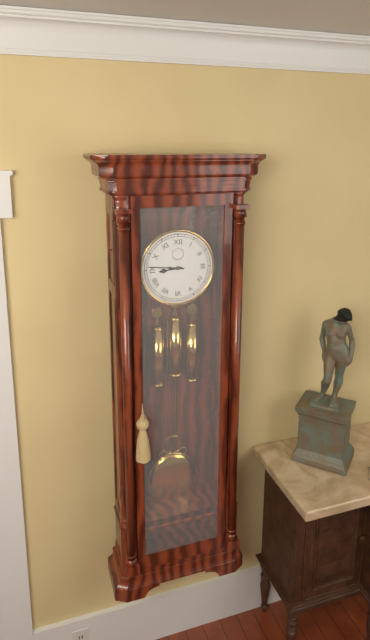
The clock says 8.46
